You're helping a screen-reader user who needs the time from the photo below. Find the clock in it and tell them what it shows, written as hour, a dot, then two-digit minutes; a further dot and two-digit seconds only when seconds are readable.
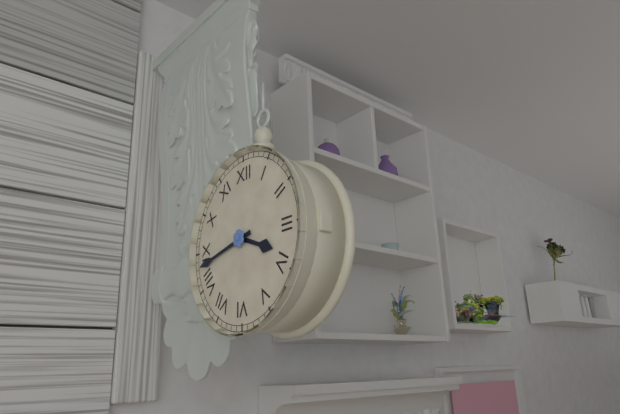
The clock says 3.43
